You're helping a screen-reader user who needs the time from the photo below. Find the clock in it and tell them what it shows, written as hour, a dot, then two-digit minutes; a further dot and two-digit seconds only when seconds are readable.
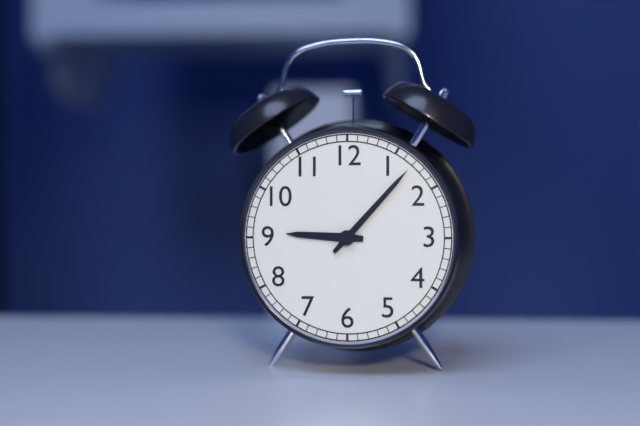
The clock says 9.07
